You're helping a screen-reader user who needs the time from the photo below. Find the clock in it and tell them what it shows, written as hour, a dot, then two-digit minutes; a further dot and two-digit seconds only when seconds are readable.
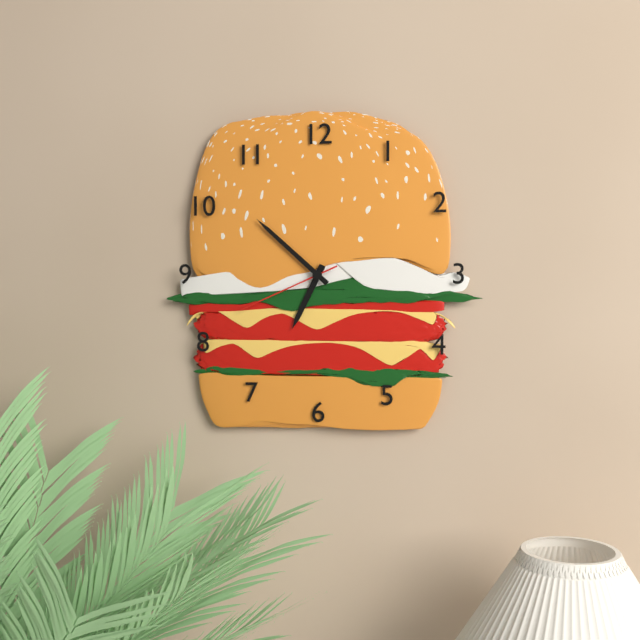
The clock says 6.52.41
